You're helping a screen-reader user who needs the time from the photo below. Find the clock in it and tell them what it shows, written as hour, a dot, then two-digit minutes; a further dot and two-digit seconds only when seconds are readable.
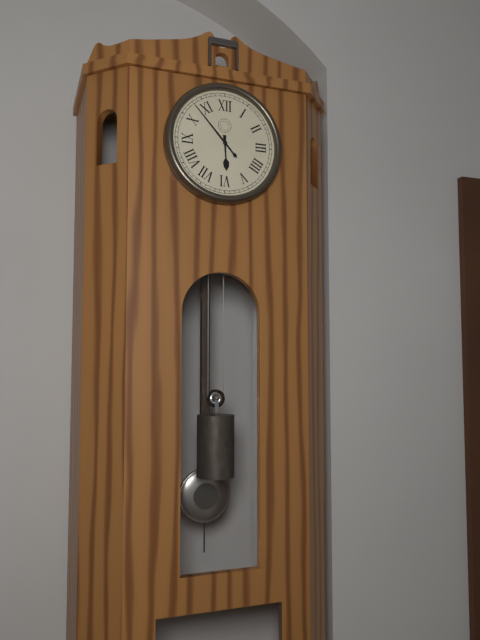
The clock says 5.53
